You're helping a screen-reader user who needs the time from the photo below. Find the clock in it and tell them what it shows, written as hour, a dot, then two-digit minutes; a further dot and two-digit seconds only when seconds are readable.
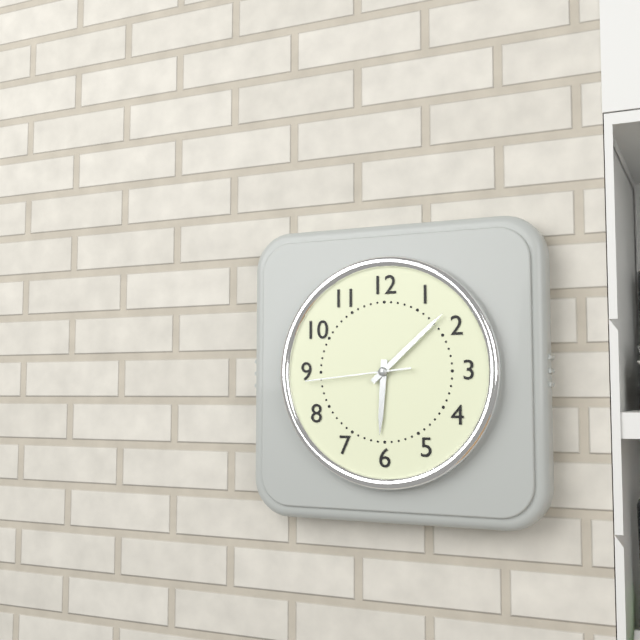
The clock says 6.08.44
